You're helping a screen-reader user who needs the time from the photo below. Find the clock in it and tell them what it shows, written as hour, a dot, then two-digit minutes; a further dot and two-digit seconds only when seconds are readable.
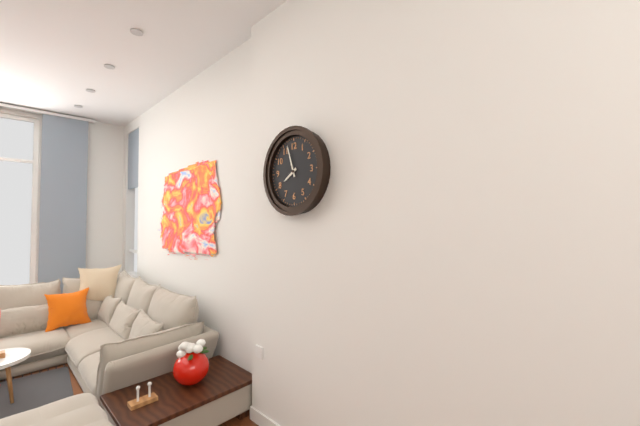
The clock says 7.57
